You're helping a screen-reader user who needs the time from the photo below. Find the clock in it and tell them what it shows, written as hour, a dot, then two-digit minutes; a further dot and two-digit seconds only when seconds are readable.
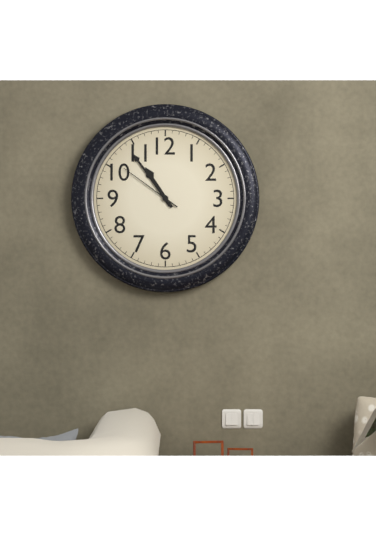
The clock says 10.54.51
